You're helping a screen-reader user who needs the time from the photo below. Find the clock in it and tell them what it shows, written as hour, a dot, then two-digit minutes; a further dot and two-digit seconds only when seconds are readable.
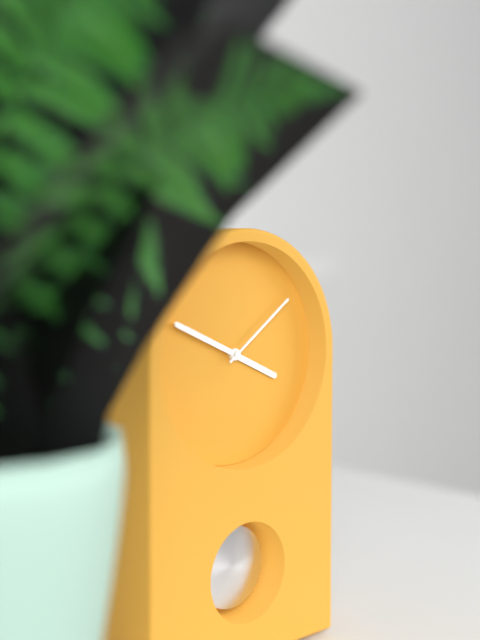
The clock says 3.49.09
